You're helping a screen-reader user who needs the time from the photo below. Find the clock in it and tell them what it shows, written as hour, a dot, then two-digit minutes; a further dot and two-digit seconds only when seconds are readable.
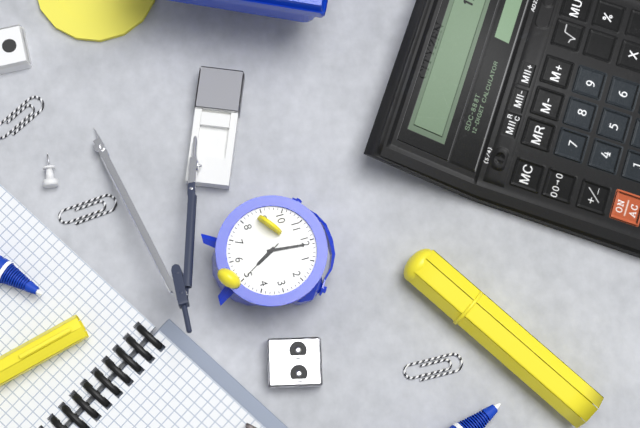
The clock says 5.01
